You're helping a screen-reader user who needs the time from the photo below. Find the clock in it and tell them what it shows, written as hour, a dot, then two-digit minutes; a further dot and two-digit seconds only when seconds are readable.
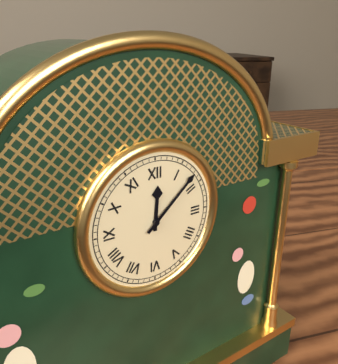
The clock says 12.08
